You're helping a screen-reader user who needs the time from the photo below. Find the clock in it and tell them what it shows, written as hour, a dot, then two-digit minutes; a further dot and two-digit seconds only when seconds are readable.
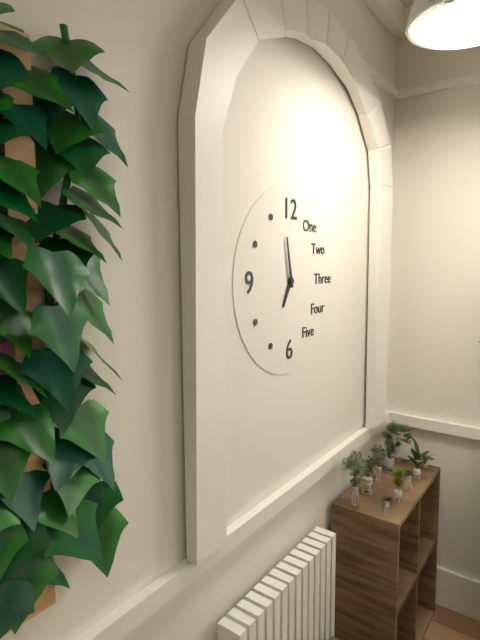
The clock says 6.58
